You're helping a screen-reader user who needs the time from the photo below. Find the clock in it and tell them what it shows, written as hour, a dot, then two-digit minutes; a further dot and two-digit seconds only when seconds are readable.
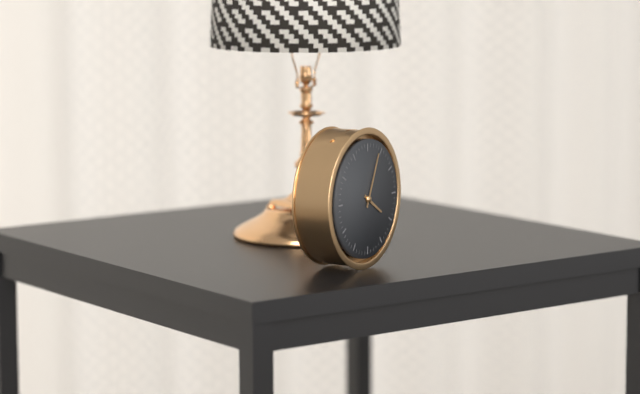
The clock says 4.04
